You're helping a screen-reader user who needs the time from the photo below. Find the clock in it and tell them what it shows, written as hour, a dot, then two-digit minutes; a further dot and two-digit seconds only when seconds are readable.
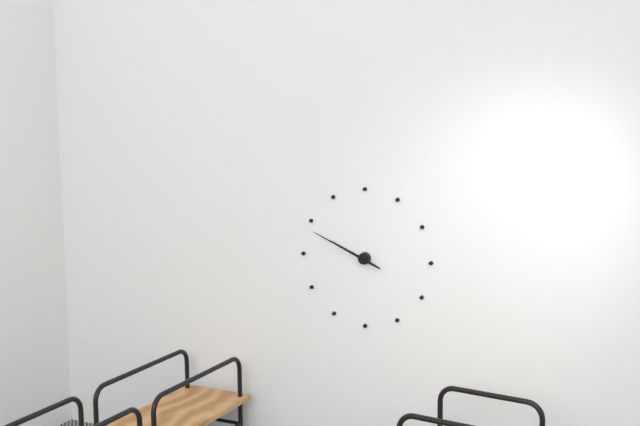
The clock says 9.49
